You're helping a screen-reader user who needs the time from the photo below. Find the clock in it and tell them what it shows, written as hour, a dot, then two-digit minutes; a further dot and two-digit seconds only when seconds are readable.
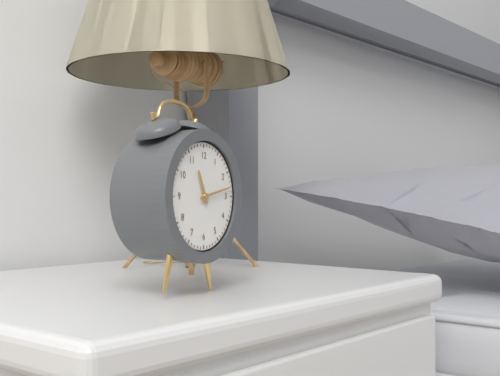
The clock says 11.13
